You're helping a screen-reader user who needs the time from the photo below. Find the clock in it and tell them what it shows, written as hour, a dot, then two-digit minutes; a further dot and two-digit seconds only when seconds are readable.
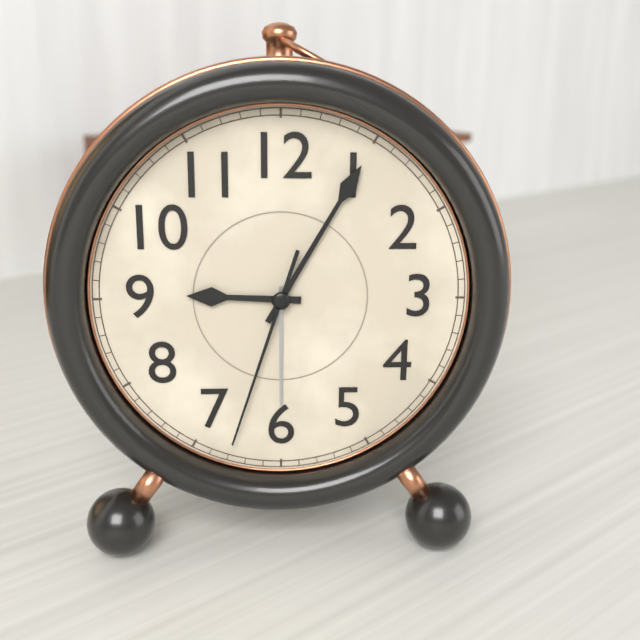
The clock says 9.05.33
